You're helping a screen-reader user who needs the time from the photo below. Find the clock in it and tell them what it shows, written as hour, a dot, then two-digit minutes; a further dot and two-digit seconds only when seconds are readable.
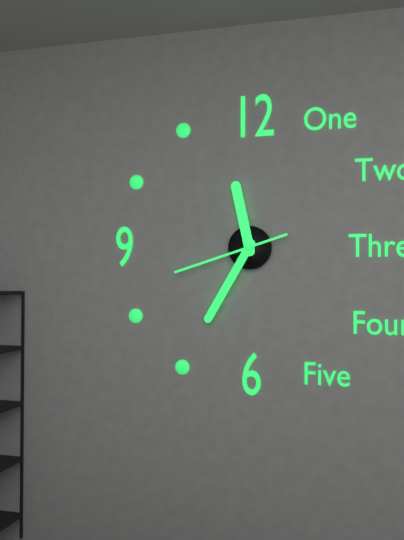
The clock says 11.35.42
